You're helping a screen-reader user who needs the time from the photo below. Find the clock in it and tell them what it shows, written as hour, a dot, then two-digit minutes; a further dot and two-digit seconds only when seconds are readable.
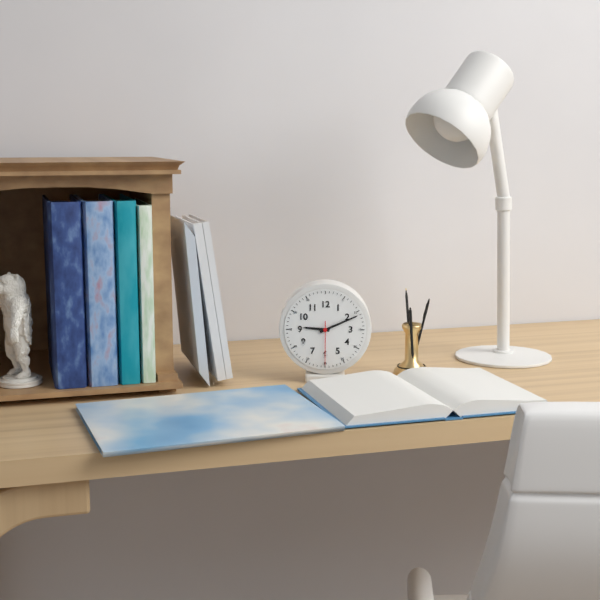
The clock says 9.11
